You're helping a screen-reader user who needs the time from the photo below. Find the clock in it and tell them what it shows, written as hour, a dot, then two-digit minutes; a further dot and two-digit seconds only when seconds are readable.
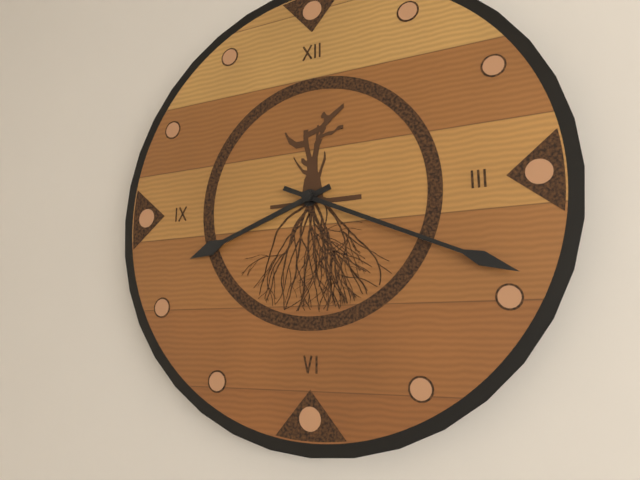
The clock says 8.19
